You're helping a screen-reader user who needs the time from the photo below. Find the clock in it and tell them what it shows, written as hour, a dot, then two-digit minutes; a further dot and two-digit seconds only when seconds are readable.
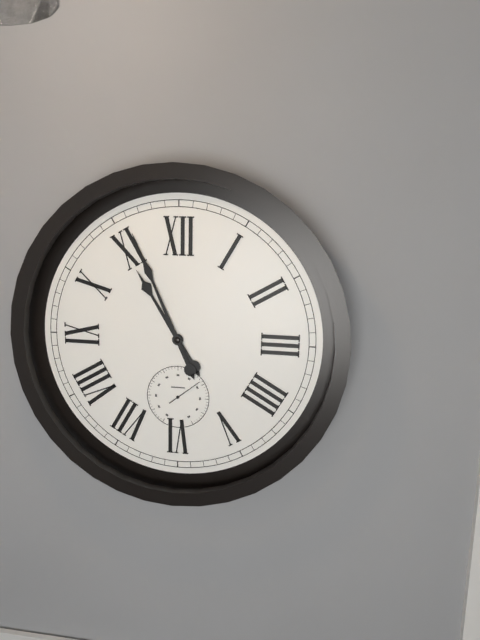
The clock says 10.56
